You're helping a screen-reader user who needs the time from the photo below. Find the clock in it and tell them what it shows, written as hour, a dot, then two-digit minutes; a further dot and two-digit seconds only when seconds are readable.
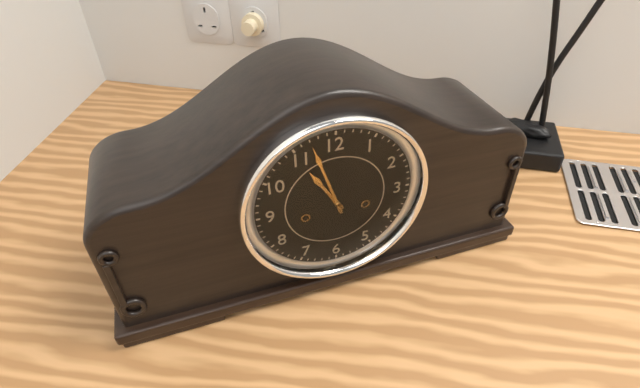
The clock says 10.57
